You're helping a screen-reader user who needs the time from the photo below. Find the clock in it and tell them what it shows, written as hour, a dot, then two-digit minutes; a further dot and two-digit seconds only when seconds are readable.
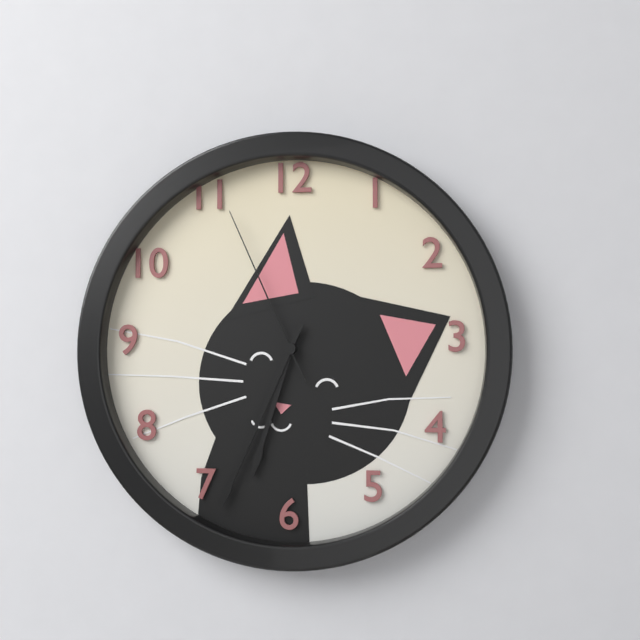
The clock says 6.34.56
